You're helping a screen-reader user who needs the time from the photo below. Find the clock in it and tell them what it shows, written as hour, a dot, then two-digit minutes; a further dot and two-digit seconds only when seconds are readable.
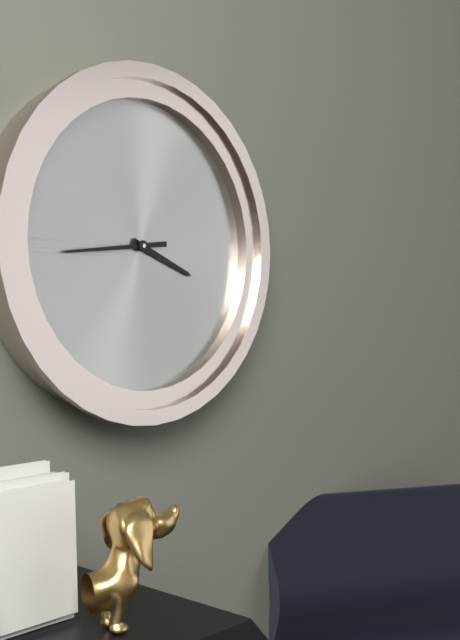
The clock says 3.44
